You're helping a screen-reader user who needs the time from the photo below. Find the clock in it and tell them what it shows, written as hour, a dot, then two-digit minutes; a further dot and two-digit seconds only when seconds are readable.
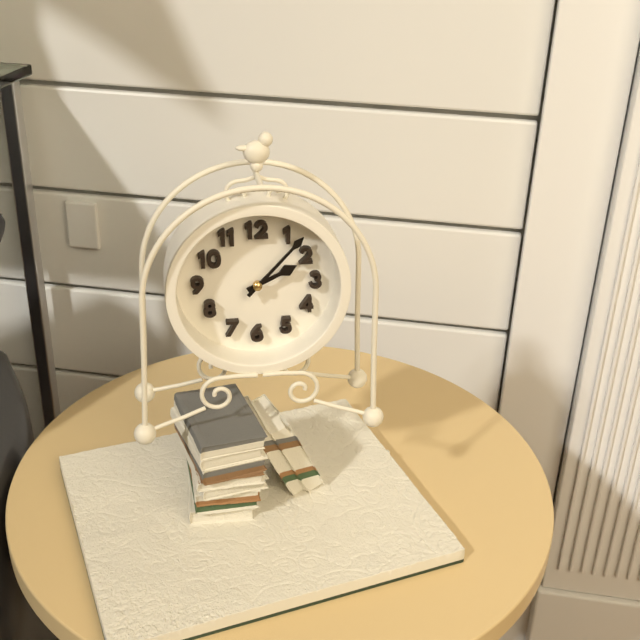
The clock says 2.07
